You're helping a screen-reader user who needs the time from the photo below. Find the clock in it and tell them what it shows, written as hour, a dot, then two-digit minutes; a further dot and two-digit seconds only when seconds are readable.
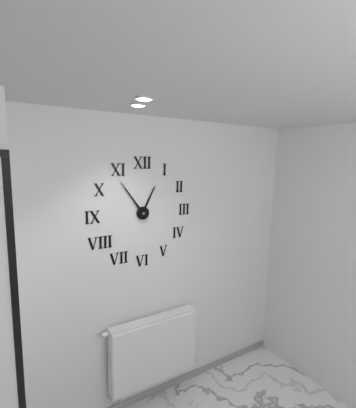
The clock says 12.54
